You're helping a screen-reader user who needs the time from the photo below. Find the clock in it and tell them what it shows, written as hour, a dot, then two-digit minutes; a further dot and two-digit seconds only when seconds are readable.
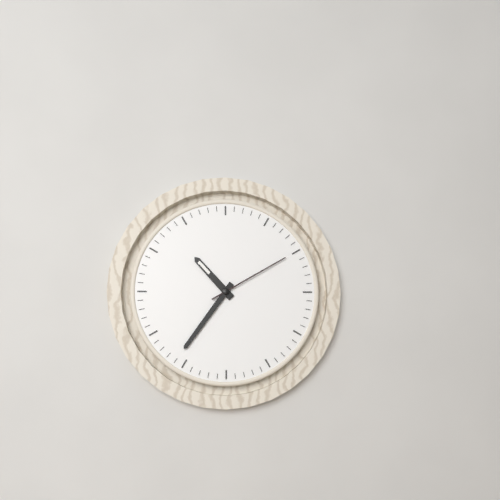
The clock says 10.36.10
